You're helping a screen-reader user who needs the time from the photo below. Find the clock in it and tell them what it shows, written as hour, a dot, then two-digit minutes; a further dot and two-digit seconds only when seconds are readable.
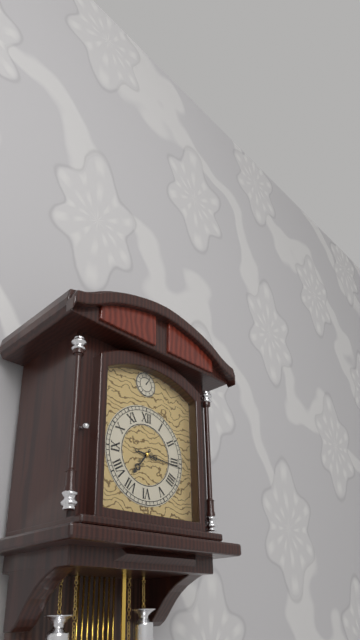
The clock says 7.16
